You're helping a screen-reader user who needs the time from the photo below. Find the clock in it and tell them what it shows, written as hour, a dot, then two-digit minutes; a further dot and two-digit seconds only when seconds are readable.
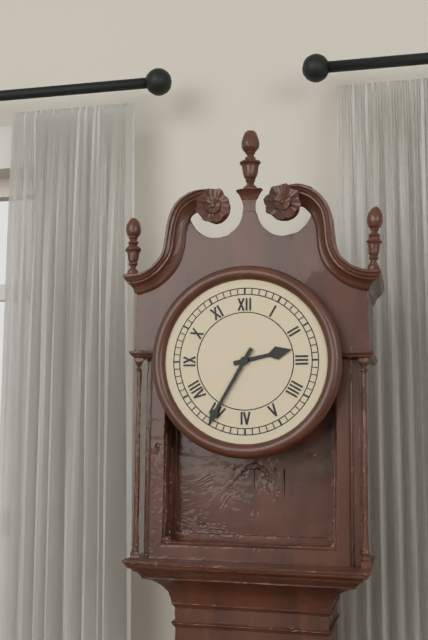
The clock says 2.35
